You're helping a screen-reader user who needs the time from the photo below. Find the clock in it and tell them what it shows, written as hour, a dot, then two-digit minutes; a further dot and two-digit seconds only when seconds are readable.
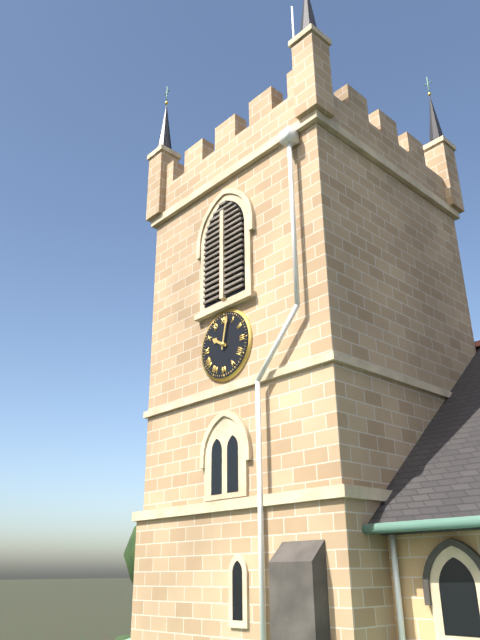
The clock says 10.02
